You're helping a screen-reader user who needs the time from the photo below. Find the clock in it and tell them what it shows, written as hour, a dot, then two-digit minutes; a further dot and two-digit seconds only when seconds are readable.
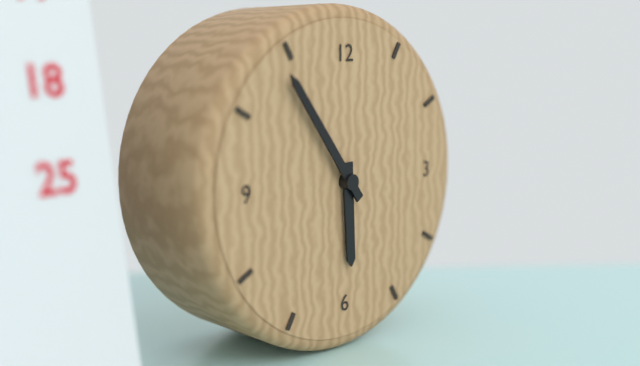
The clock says 5.54
